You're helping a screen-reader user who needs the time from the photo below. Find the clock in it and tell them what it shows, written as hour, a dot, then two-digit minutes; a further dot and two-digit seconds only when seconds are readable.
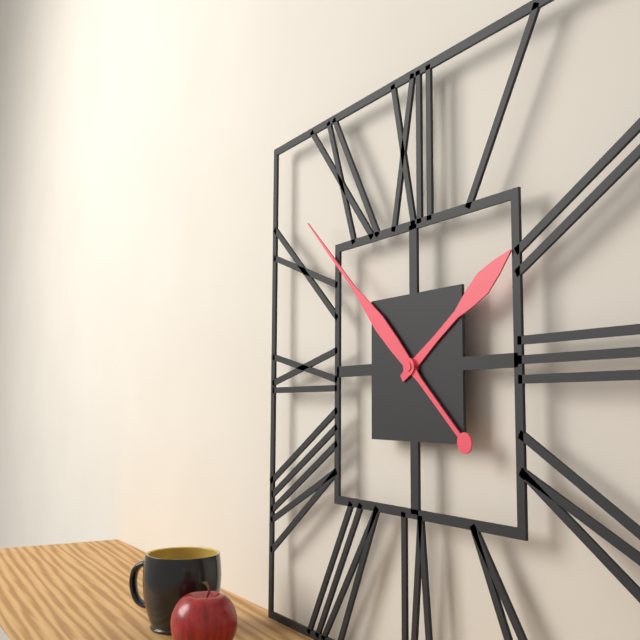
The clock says 1.52
